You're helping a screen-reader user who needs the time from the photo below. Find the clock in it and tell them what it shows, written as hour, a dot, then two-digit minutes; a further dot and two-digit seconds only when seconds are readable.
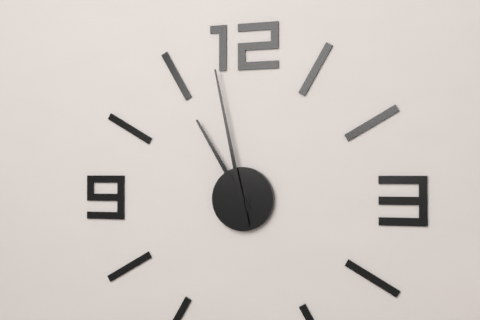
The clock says 10.58
